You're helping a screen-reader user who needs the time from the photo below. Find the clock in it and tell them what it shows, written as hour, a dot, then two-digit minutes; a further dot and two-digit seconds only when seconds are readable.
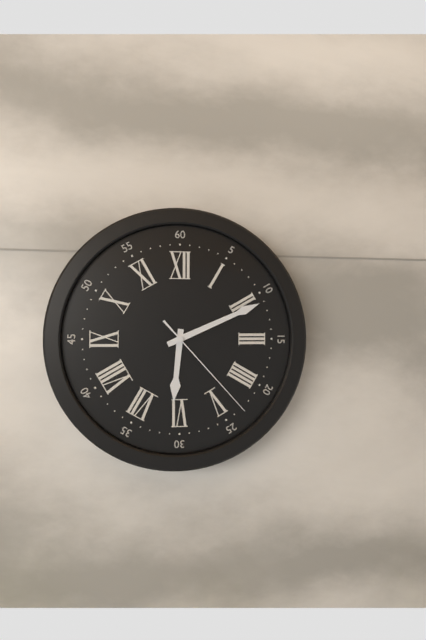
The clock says 6.11.23
